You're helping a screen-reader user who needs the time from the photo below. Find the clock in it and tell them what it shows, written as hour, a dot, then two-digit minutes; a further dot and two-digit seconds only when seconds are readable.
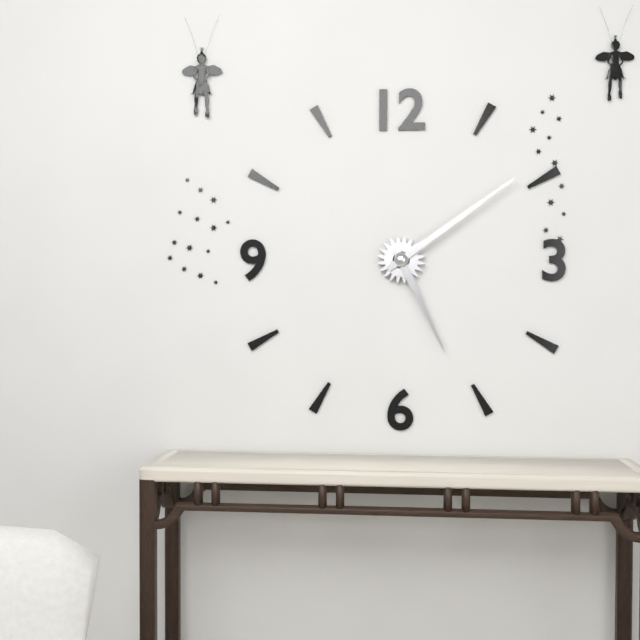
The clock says 5.09
